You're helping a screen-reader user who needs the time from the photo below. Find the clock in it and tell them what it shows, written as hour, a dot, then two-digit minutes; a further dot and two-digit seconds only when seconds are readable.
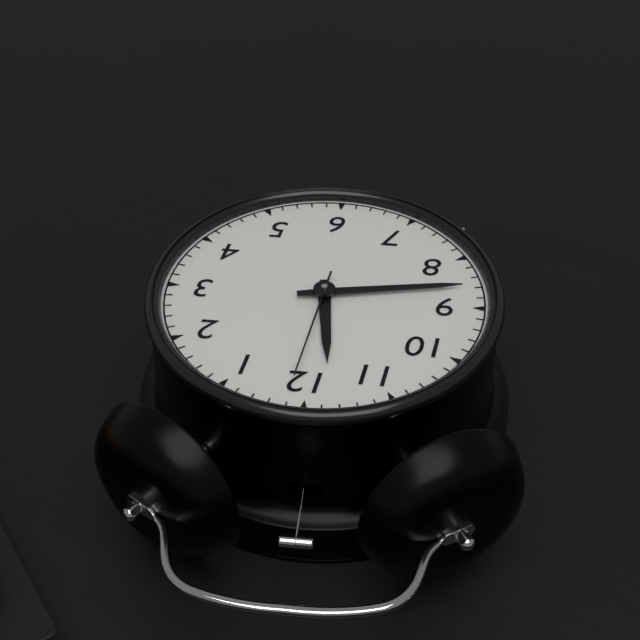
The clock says 11.43.01
